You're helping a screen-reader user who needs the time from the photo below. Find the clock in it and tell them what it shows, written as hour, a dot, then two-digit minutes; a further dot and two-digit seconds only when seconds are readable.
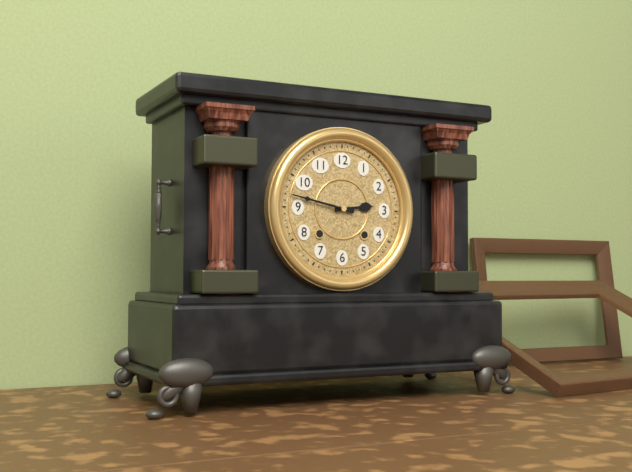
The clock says 2.47
